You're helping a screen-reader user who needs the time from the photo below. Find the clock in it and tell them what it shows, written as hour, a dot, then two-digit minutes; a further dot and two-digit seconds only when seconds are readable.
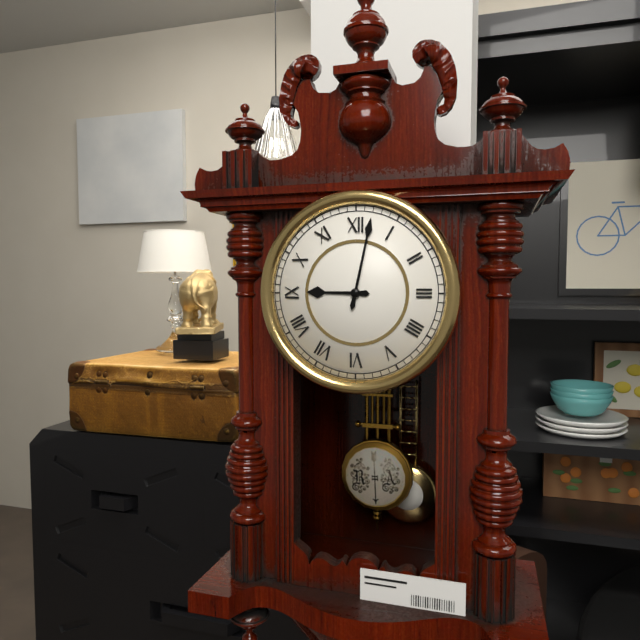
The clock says 9.02
